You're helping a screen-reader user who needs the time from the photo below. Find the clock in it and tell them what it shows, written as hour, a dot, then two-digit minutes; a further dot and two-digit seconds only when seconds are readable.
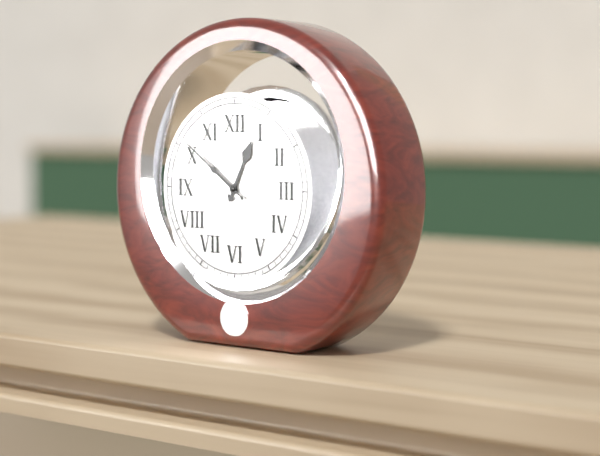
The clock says 12.51
